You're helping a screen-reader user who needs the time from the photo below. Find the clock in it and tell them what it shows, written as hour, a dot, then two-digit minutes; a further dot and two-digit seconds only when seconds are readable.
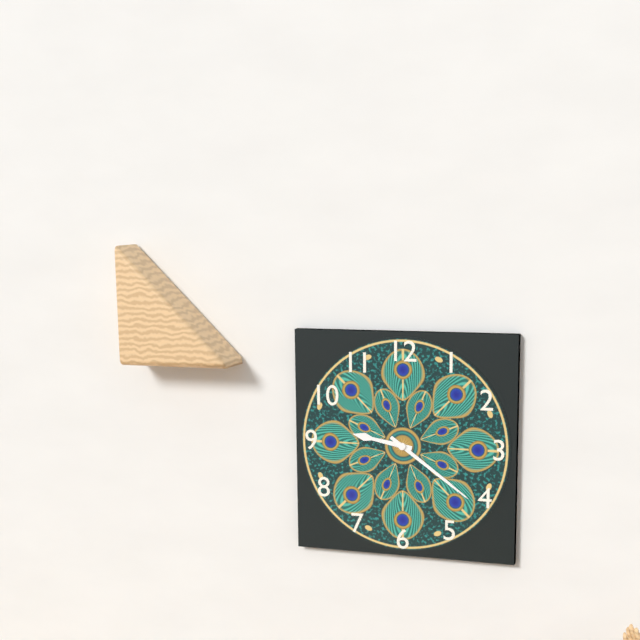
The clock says 9.21
